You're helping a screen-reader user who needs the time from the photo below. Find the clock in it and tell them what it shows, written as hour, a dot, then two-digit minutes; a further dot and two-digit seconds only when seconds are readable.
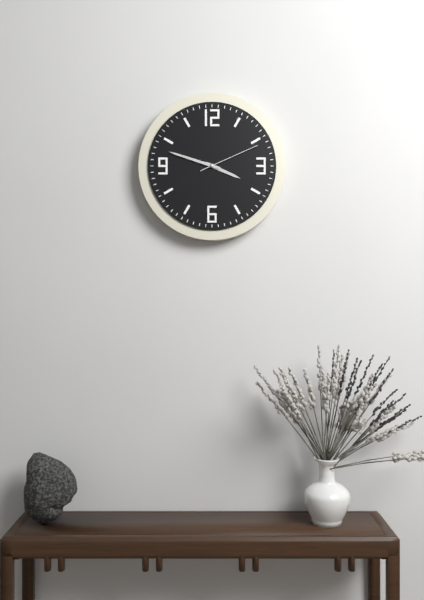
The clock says 3.48.11
